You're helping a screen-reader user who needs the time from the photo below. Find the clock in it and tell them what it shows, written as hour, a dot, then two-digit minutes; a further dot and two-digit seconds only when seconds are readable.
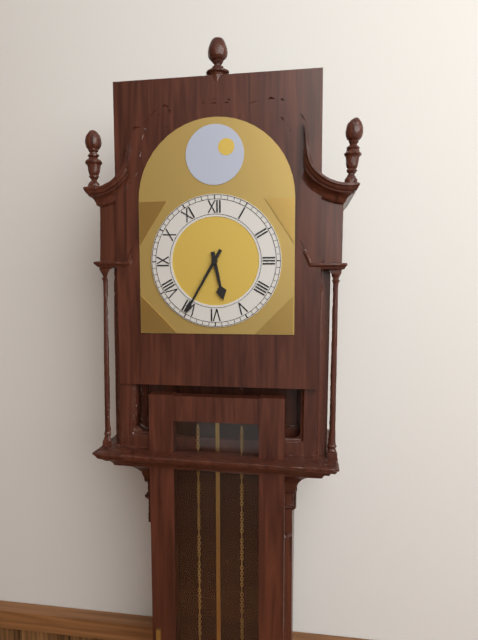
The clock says 5.35
